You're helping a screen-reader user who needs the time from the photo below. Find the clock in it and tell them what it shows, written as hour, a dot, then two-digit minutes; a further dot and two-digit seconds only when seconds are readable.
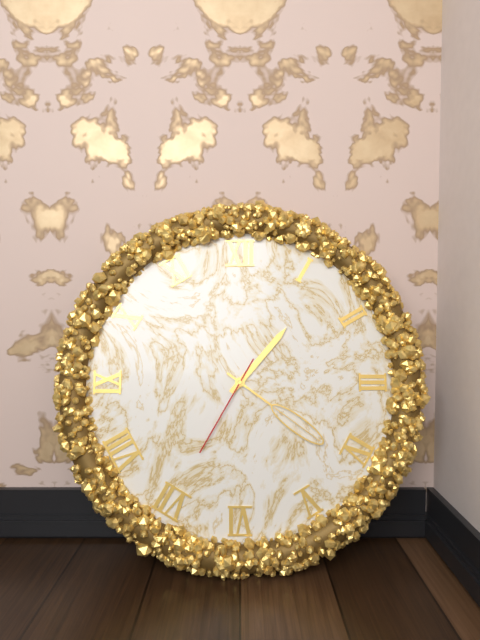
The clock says 1.21.35
